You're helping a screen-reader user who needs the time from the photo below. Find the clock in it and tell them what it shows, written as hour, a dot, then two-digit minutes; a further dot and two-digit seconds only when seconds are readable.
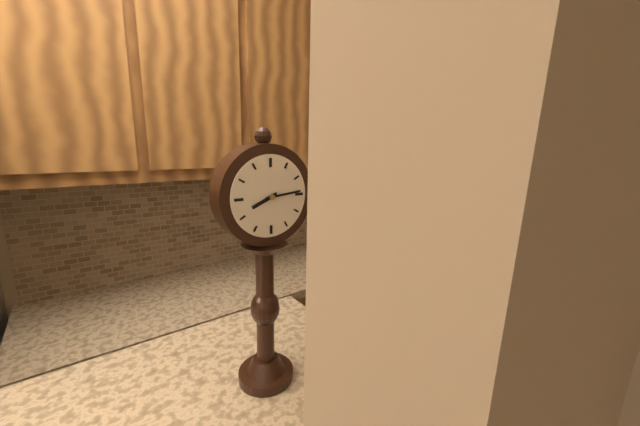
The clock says 8.14
